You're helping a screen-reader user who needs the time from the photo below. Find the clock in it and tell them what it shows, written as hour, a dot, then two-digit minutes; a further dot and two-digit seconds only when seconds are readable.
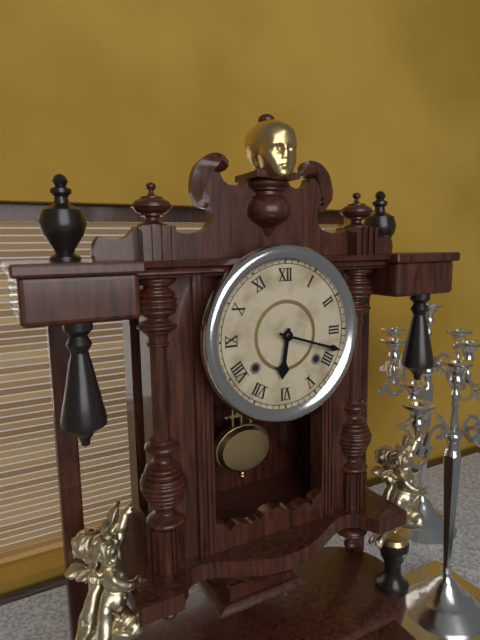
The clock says 6.18
